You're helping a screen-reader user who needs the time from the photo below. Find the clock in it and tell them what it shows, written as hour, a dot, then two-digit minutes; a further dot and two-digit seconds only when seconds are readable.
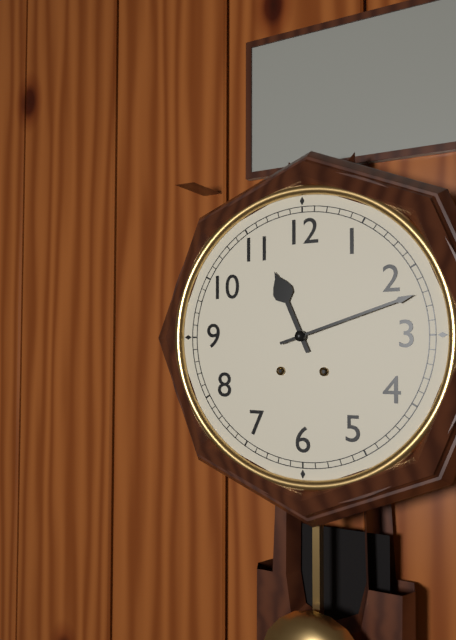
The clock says 11.12
